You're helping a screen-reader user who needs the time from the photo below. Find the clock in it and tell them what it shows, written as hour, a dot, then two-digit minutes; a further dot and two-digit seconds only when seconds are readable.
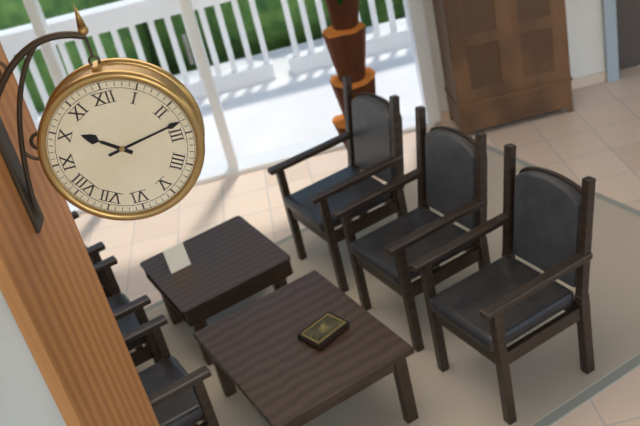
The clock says 10.13
